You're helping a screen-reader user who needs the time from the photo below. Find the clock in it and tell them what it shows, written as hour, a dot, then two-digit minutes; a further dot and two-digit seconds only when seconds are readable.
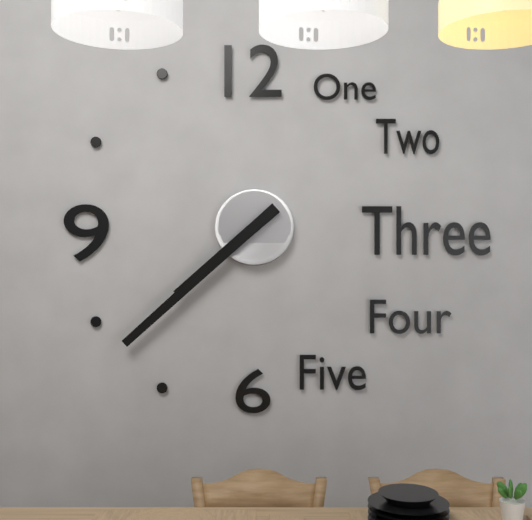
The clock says 7.38
